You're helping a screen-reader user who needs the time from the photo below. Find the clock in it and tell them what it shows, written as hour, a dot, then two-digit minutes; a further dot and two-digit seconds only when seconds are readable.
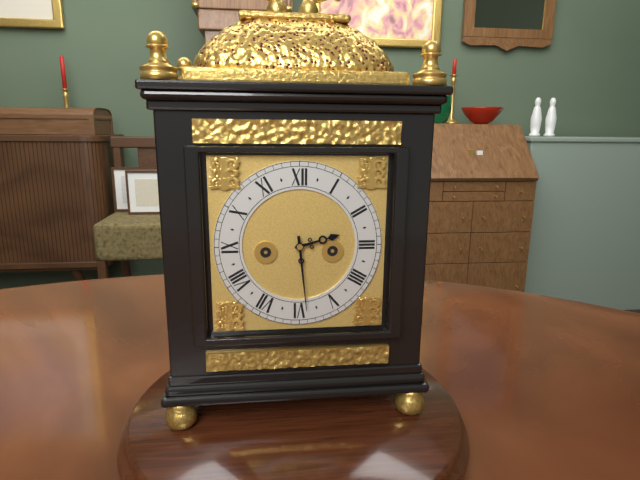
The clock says 2.29
